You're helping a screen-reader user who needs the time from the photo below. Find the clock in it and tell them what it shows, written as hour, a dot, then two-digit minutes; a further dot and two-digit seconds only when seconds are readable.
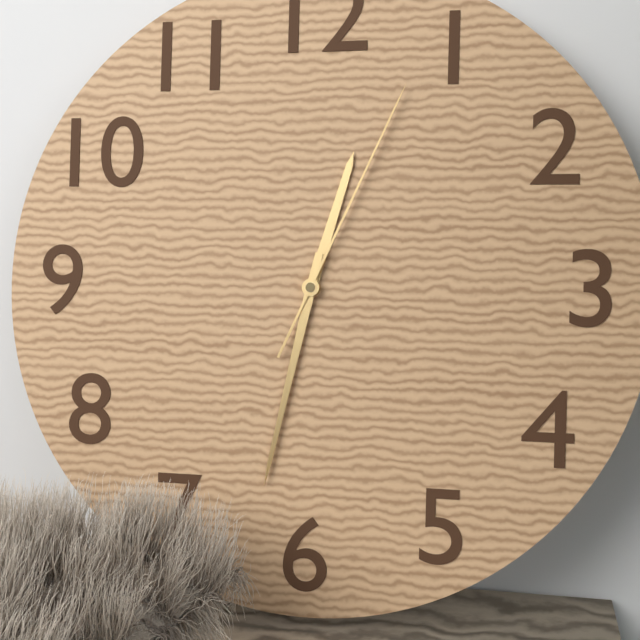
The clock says 12.32.04
